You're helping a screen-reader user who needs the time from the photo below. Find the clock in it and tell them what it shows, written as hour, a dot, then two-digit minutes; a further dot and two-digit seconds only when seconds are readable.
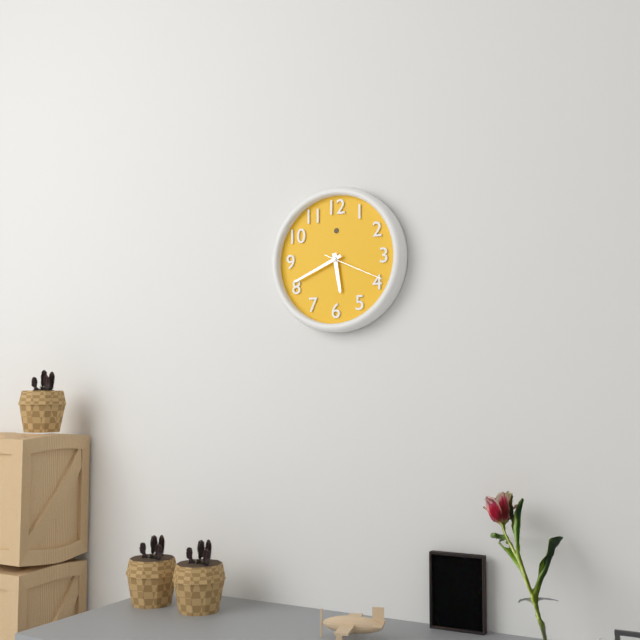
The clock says 5.41.19
